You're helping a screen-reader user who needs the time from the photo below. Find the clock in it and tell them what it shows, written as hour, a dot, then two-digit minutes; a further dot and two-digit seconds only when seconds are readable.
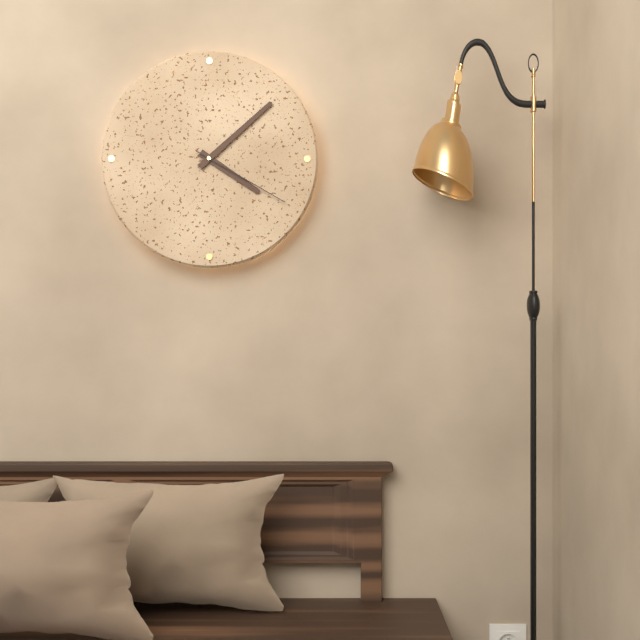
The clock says 4.08.20
